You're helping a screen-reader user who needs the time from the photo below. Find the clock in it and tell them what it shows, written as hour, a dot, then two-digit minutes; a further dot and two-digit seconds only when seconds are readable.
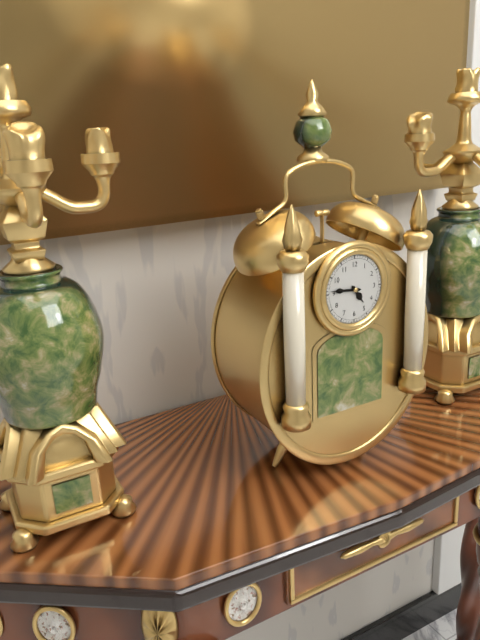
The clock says 4.46
